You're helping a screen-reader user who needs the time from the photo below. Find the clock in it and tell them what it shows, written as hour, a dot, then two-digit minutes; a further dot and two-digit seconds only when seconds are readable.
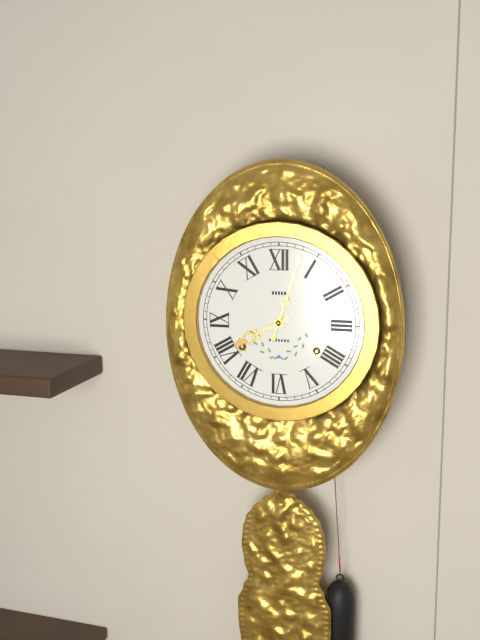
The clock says 8.03
